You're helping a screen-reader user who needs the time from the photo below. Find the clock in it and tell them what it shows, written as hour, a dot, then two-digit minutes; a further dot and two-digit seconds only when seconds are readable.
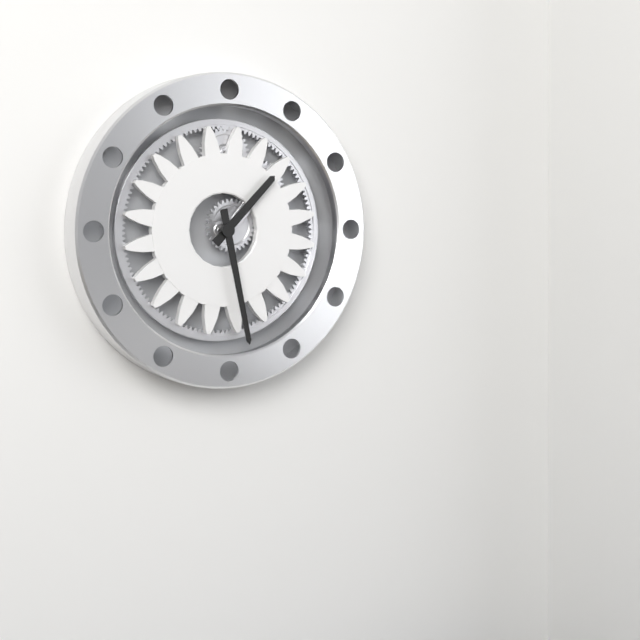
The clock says 1.28
